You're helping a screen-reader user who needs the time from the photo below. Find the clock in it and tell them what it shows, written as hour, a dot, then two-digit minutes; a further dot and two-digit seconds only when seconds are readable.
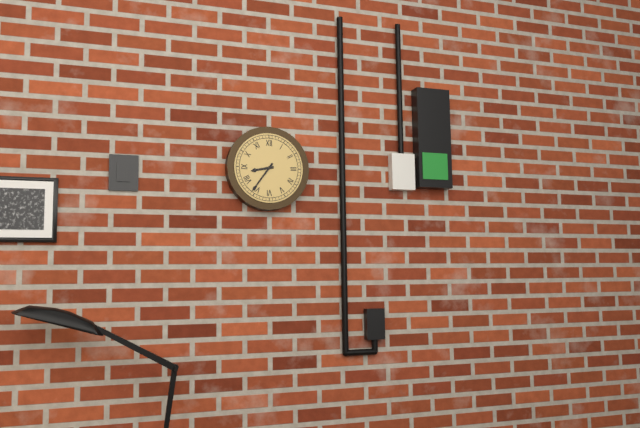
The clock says 8.36
